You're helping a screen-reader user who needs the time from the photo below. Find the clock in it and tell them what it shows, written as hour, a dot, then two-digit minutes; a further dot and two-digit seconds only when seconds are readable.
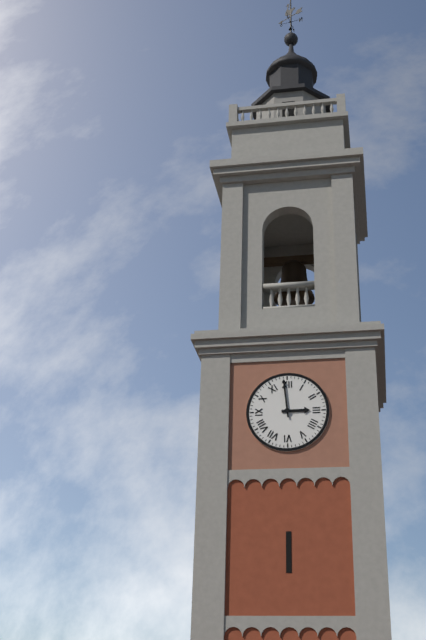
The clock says 2.59
